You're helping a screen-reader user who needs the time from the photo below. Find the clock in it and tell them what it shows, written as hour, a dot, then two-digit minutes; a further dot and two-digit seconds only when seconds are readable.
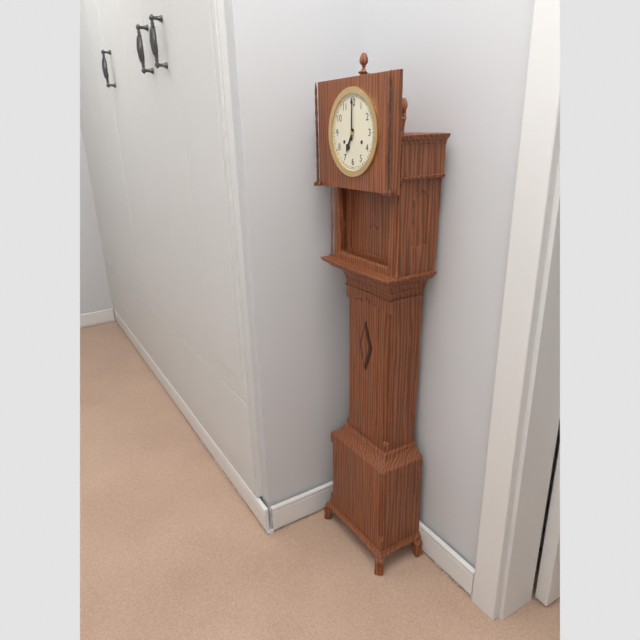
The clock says 7.00
